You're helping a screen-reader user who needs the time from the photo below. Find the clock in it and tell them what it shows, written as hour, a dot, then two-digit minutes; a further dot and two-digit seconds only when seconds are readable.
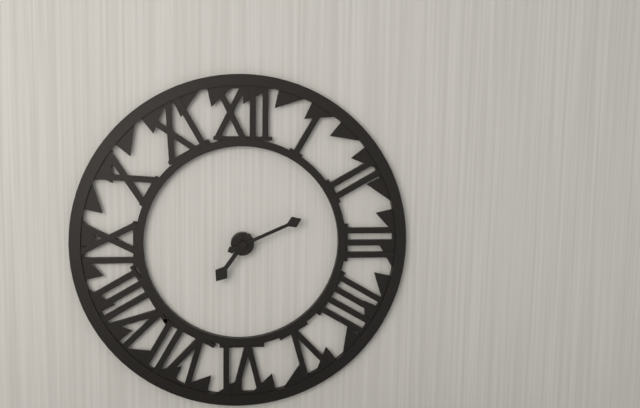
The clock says 7.11
